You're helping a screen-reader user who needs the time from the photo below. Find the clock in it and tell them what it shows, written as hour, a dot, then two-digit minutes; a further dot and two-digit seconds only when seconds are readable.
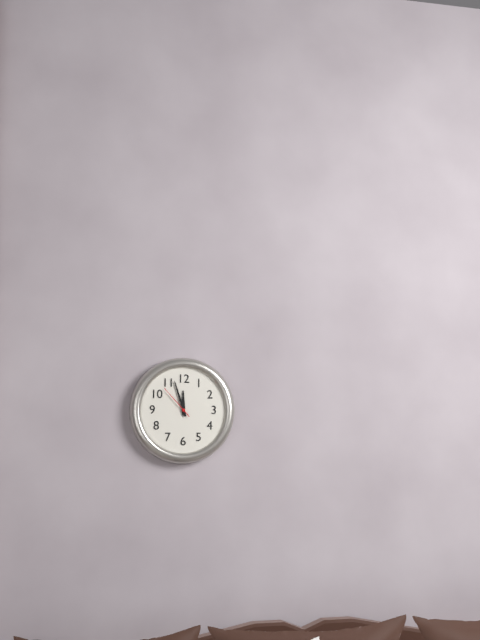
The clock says 11.57
